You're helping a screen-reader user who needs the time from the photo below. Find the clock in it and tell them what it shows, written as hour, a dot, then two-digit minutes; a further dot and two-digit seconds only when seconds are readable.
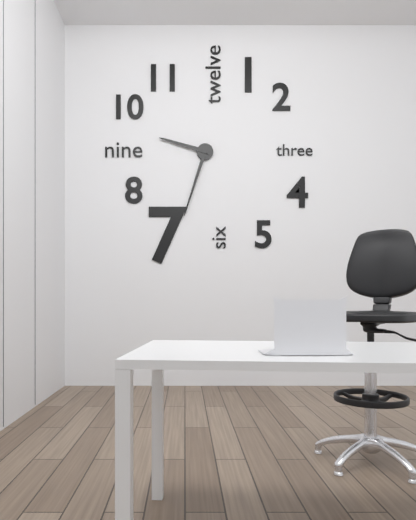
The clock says 9.33
